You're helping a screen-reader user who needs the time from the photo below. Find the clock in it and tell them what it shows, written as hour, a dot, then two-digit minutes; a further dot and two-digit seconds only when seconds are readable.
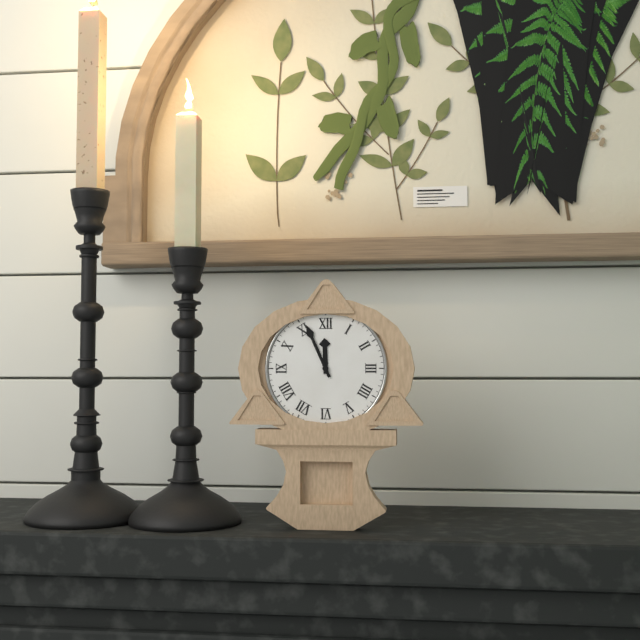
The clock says 11.56
